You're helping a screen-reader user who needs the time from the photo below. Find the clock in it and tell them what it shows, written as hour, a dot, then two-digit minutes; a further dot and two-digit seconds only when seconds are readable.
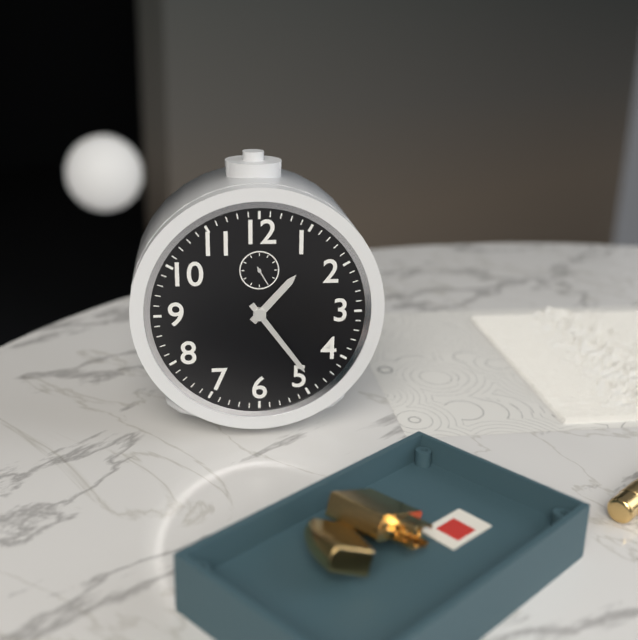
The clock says 1.24
